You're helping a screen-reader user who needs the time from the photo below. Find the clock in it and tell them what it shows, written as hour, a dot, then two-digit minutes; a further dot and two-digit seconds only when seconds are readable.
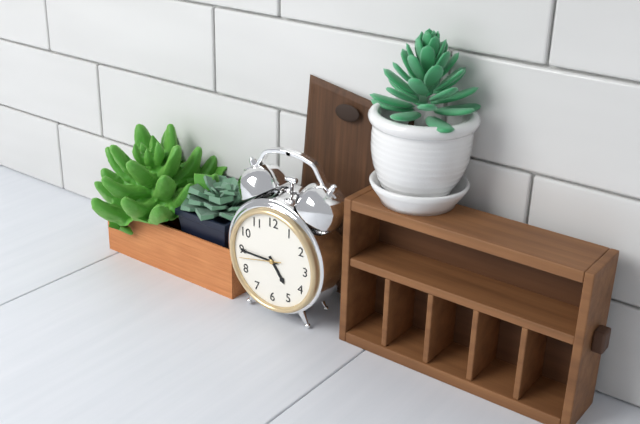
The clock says 4.45
